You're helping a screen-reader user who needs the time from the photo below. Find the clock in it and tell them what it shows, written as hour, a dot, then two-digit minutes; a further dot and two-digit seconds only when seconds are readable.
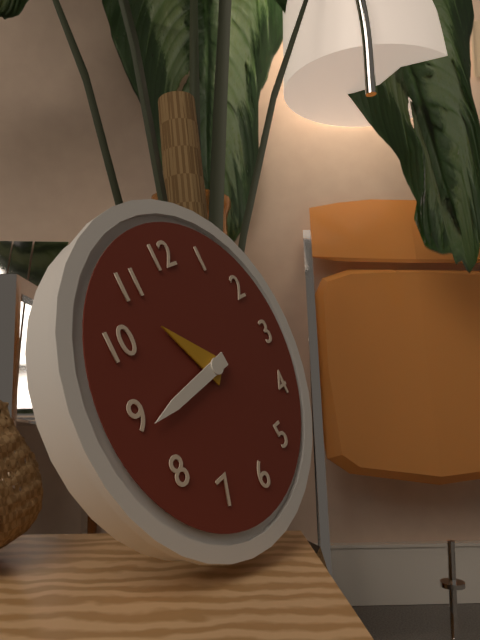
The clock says 10.44
